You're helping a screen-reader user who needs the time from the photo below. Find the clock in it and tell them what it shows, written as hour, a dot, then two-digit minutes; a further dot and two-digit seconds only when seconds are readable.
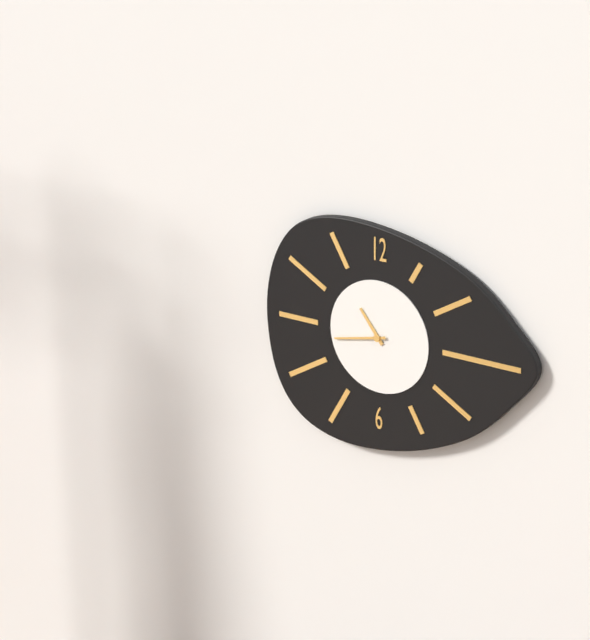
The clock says 10.43
